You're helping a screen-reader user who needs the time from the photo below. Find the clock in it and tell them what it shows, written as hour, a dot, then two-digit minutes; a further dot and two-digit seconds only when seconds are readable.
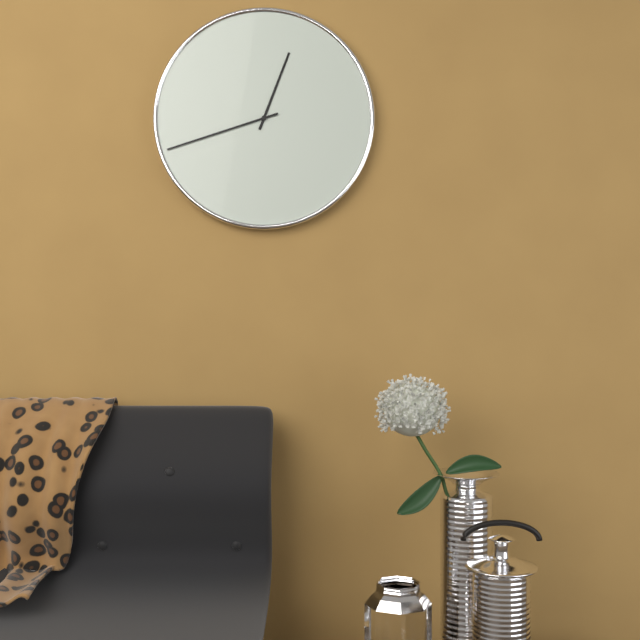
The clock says 12.42
